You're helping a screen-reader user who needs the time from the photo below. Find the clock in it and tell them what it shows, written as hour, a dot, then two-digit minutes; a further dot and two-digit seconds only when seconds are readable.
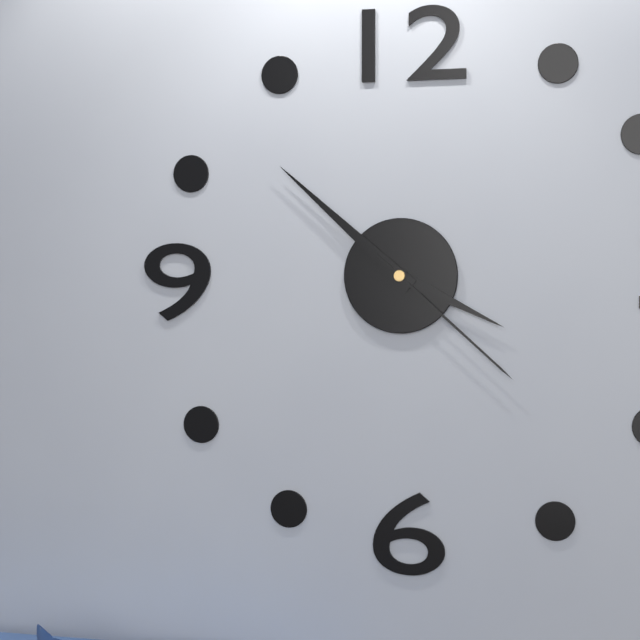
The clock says 3.52.22
